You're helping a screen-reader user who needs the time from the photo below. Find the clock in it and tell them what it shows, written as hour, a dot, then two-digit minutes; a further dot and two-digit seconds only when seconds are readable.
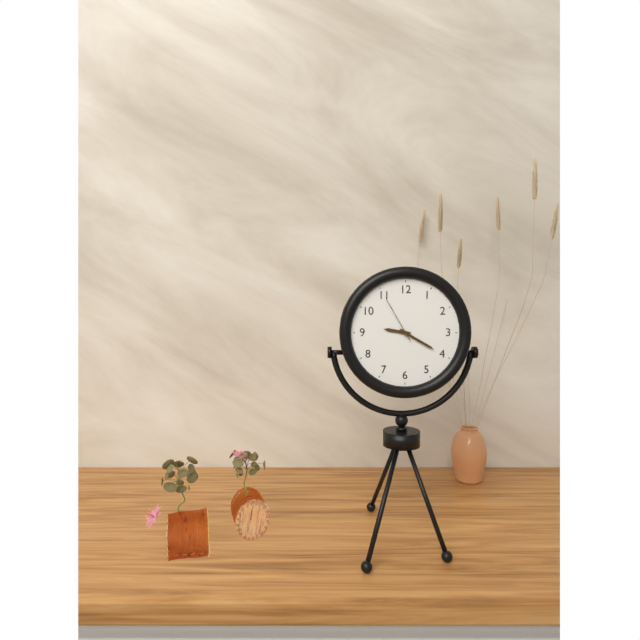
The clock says 9.20
